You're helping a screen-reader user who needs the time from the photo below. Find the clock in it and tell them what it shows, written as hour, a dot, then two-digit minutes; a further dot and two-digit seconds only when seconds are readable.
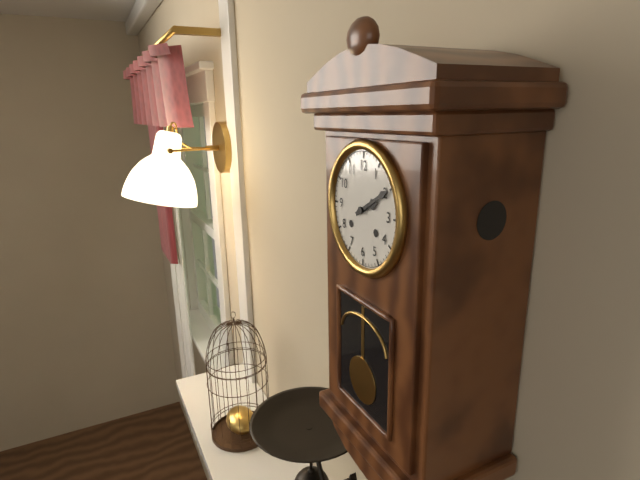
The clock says 2.10
